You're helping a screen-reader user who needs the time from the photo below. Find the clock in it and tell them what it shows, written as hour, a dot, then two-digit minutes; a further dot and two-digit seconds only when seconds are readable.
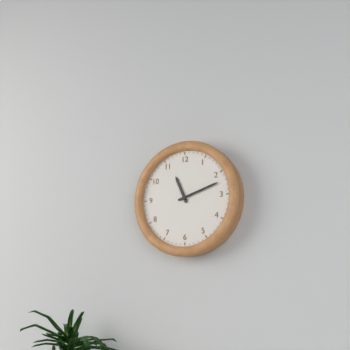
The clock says 11.12
